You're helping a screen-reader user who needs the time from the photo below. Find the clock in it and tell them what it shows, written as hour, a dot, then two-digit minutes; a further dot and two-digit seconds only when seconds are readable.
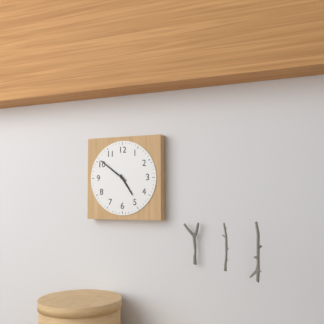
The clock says 4.51
